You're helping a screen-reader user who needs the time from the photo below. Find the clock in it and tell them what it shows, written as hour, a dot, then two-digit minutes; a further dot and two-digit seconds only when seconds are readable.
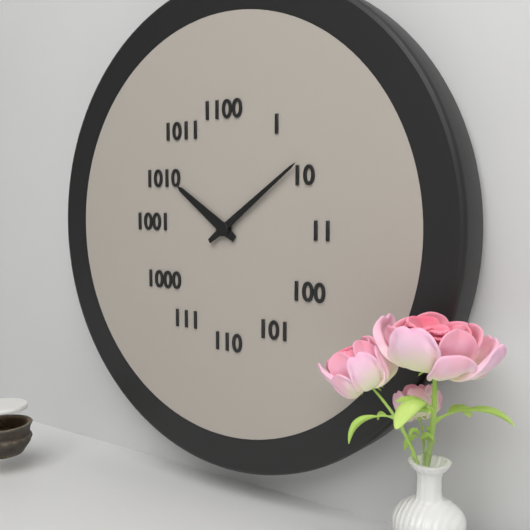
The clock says 10.09
